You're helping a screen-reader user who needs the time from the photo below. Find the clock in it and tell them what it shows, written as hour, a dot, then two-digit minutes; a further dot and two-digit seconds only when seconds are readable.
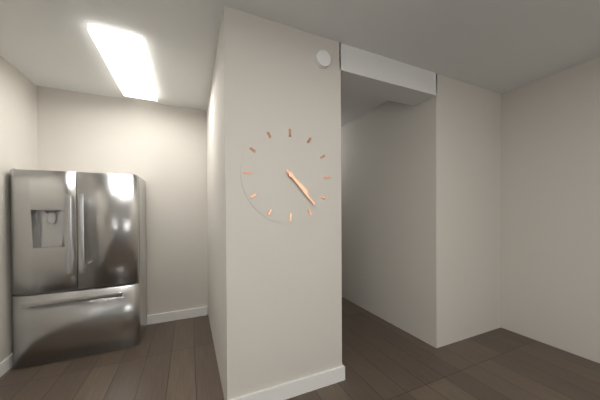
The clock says 4.23
